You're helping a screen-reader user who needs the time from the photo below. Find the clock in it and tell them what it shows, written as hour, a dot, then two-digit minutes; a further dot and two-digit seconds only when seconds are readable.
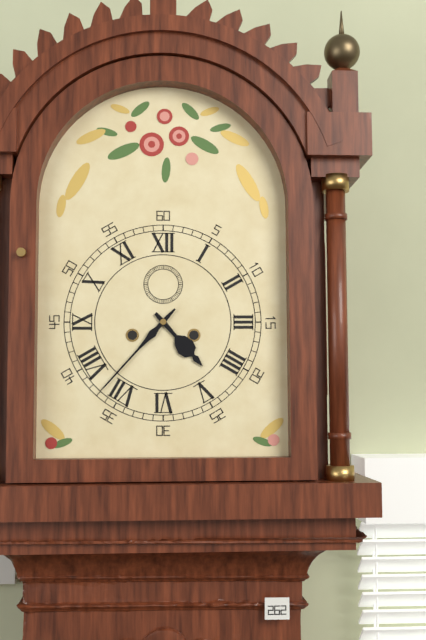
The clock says 4.37
